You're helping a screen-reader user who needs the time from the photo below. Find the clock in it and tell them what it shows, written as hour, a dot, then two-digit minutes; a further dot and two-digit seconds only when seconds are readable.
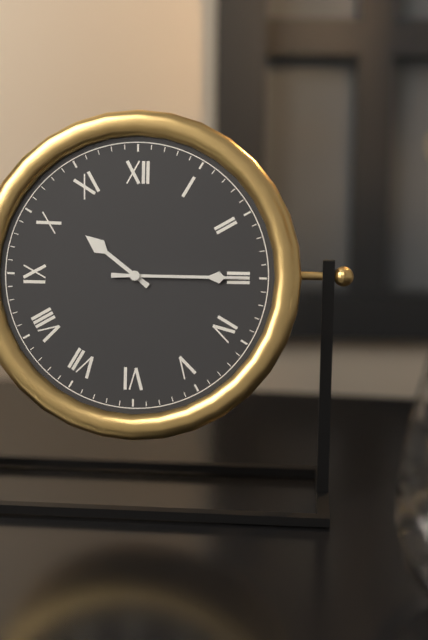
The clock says 10.15
